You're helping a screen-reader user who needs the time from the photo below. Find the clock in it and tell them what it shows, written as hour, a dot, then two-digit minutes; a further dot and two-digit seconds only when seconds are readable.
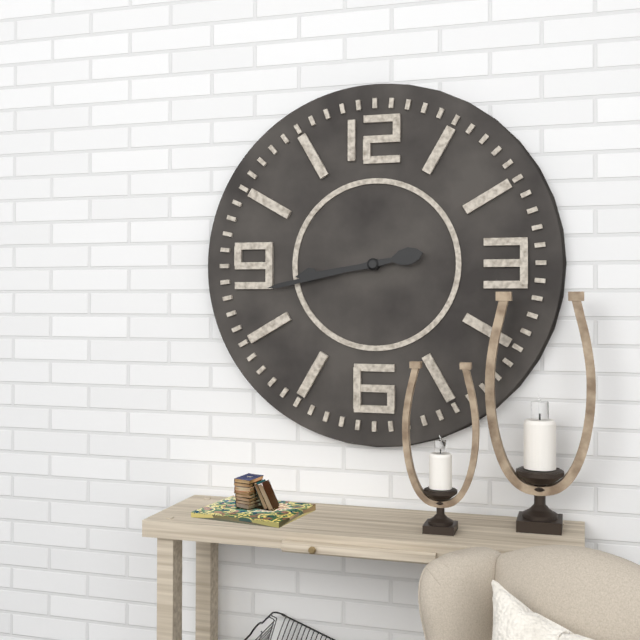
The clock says 8.43
